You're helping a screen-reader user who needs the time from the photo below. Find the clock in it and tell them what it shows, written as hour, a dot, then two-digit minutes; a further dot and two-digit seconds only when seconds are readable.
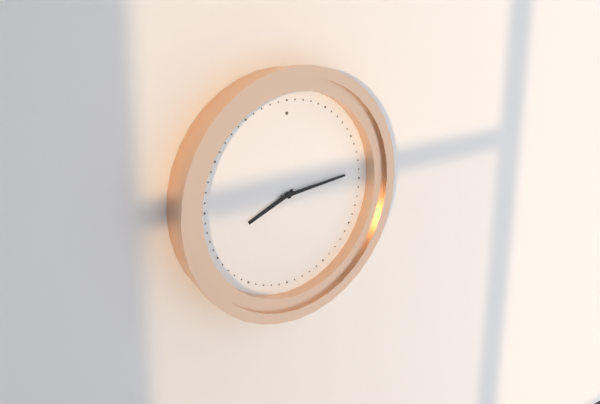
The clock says 8.14
